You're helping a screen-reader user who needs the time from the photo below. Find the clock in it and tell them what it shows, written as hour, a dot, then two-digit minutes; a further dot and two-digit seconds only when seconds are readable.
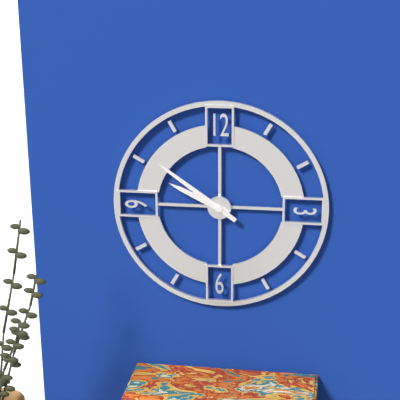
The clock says 9.51
